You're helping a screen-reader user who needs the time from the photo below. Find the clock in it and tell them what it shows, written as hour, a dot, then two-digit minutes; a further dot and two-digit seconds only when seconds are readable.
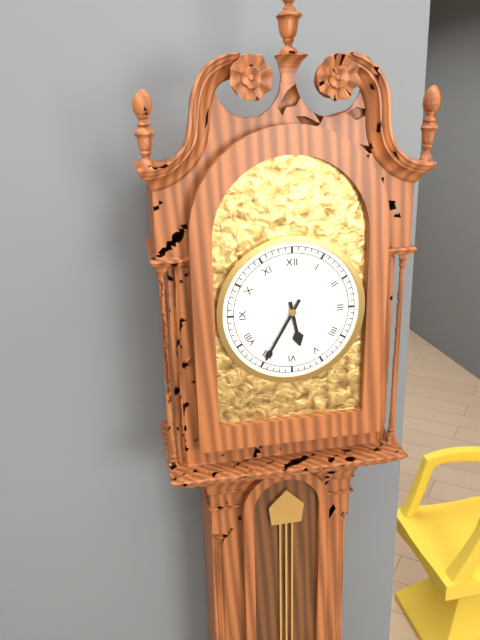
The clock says 5.35
